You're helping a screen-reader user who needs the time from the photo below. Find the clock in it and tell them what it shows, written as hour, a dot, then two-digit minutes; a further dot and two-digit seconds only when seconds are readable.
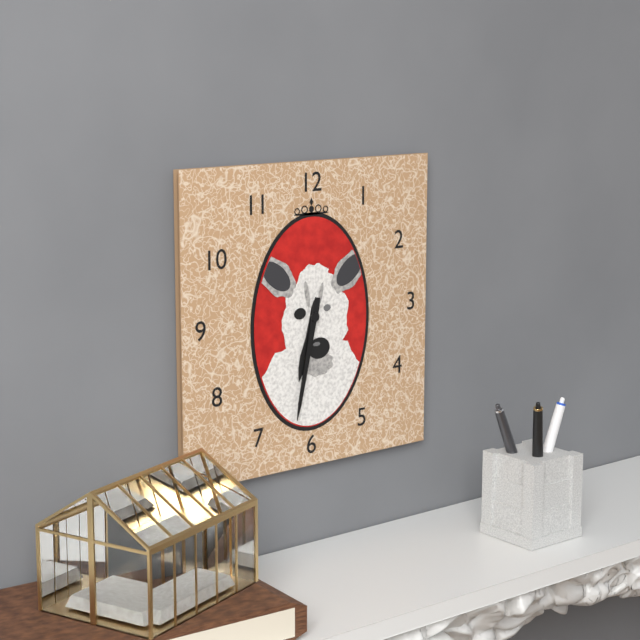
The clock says 6.32
